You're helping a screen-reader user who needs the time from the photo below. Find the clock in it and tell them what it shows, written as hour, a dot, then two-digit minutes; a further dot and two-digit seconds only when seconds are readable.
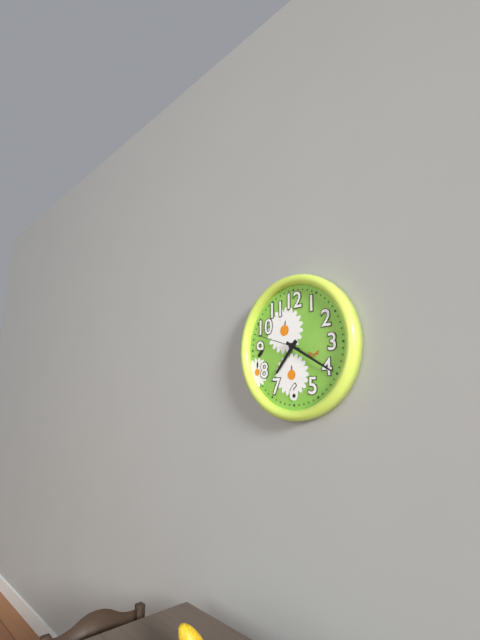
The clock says 7.20.48
